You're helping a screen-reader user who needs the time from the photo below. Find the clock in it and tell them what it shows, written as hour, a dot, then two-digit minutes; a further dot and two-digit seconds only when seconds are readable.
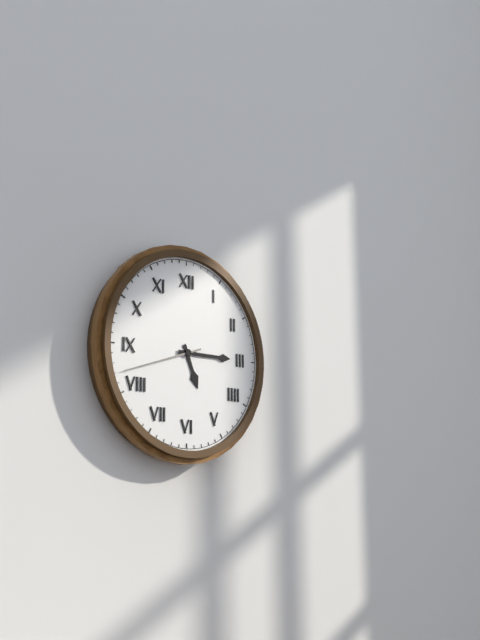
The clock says 5.15.42
